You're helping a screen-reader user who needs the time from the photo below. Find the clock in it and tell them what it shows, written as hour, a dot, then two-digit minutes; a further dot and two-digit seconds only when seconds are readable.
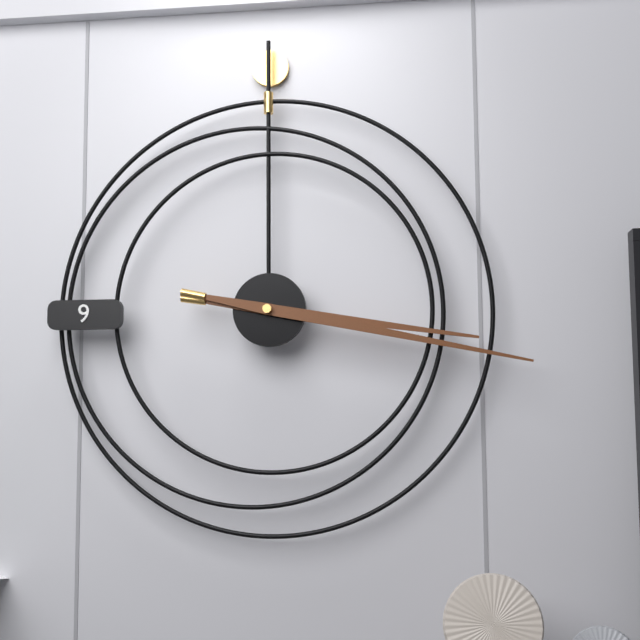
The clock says 3.17
